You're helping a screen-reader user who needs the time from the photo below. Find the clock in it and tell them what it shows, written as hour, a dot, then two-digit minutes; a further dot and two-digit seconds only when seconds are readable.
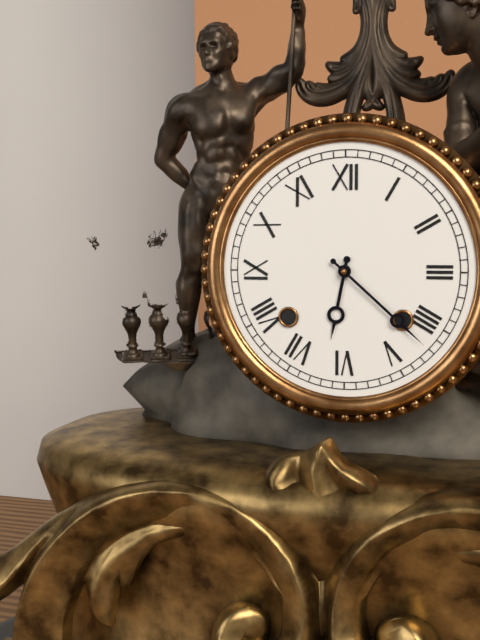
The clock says 6.22
